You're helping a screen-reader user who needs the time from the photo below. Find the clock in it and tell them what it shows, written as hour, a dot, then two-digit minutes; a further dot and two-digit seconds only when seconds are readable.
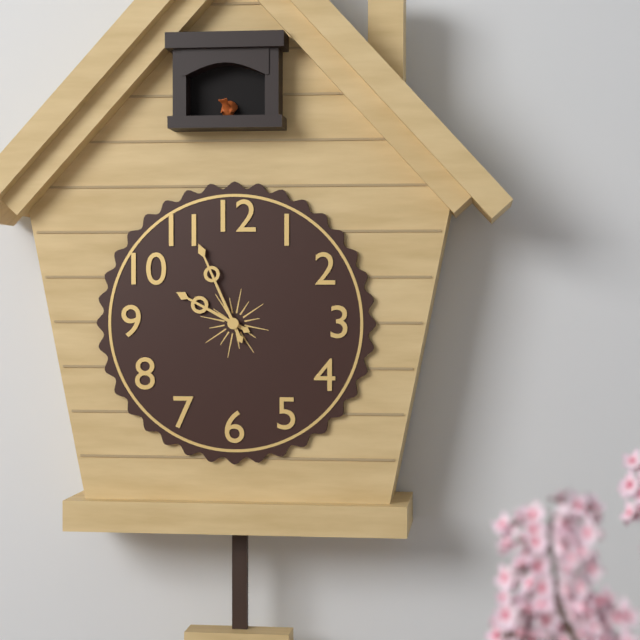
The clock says 9.56
